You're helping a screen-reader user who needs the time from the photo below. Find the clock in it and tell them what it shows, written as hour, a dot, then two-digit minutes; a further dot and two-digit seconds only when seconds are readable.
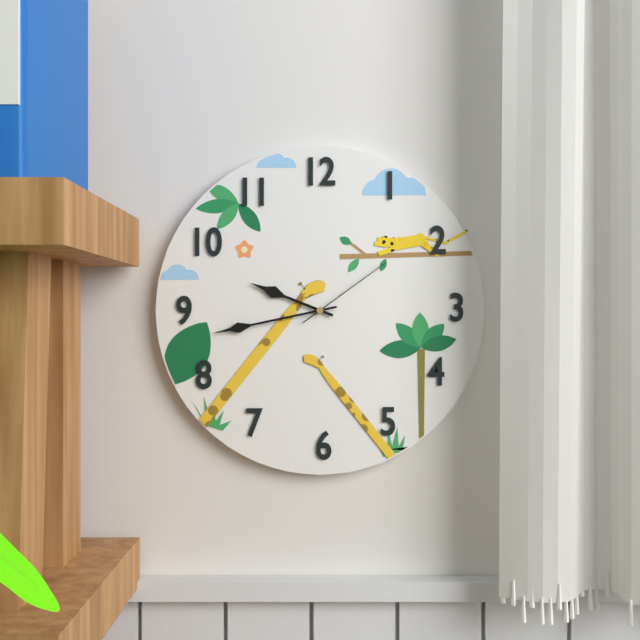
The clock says 9.43.09
